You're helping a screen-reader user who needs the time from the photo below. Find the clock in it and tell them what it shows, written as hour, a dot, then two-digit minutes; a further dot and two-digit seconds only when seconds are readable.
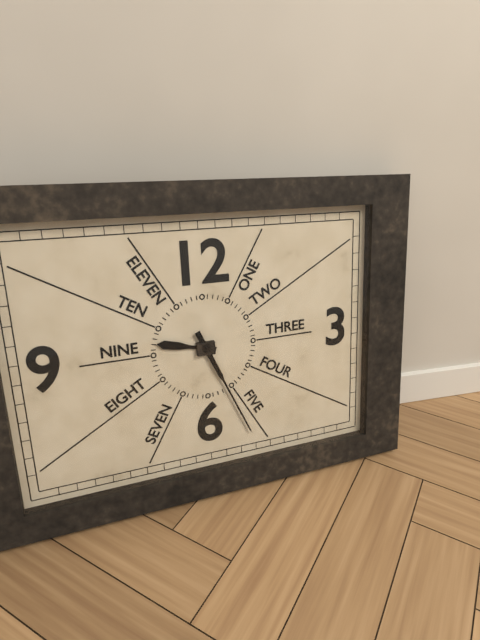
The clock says 9.26
